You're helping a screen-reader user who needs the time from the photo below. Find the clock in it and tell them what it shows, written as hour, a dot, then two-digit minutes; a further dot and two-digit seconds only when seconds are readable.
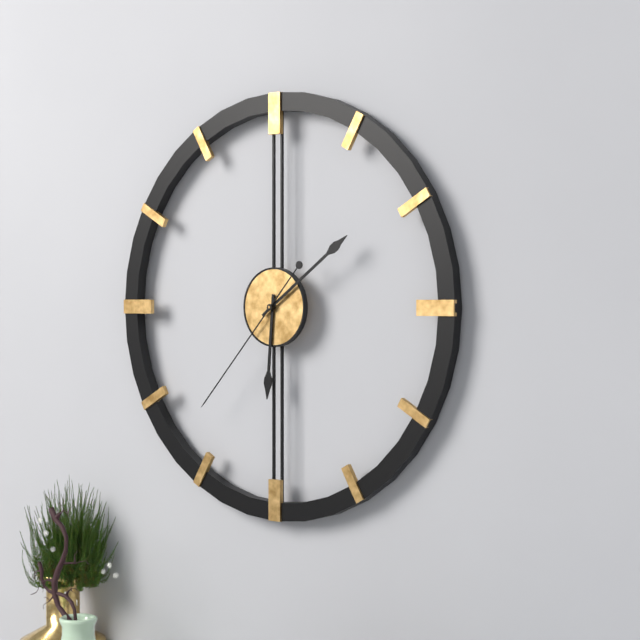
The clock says 6.09.37
